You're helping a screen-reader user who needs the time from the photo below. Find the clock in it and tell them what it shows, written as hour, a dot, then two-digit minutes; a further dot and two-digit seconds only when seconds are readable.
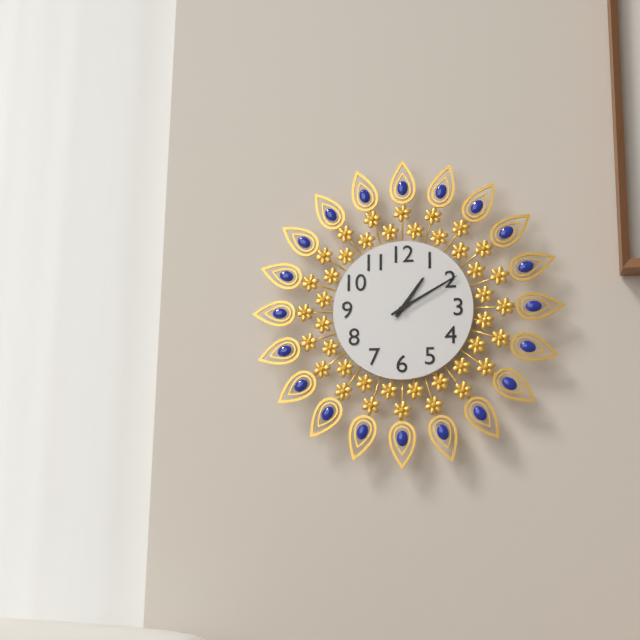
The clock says 1.10
